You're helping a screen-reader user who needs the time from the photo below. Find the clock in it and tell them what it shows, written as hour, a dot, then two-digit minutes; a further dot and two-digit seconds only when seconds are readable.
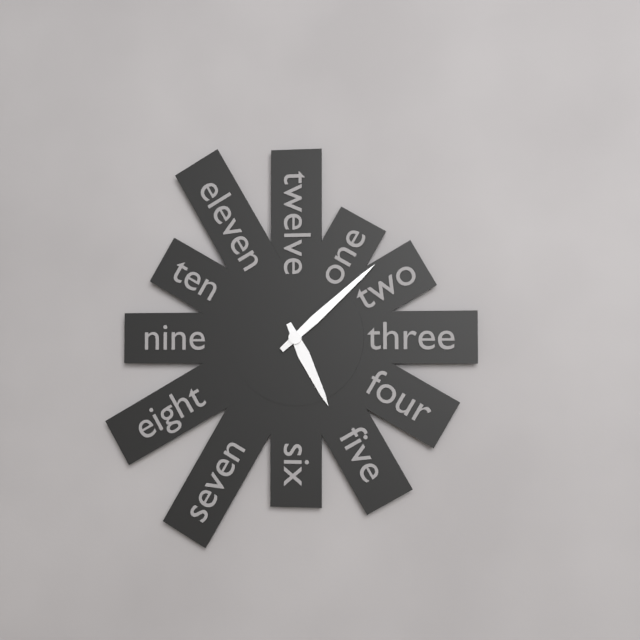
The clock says 5.08
